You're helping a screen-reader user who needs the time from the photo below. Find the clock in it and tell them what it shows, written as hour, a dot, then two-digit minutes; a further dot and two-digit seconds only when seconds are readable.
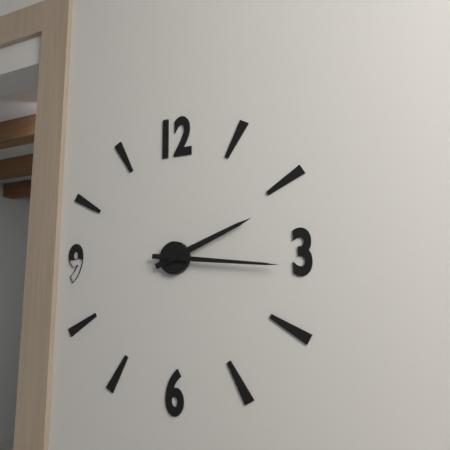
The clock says 2.16
